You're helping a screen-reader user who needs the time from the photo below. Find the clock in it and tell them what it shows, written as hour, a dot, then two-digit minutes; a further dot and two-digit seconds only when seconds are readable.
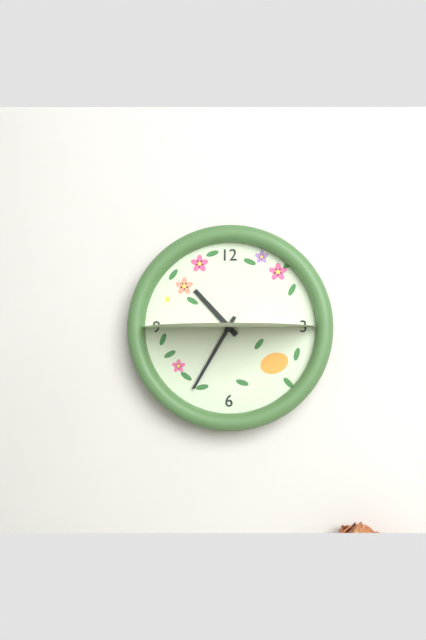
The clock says 10.35
